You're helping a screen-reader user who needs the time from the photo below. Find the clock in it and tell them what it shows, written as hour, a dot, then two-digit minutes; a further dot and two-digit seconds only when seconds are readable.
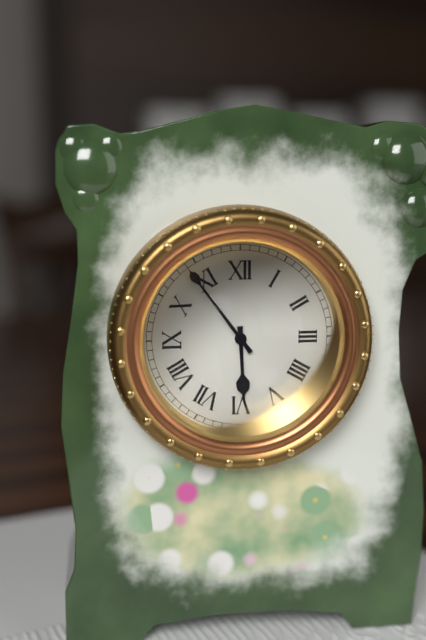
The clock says 5.54
